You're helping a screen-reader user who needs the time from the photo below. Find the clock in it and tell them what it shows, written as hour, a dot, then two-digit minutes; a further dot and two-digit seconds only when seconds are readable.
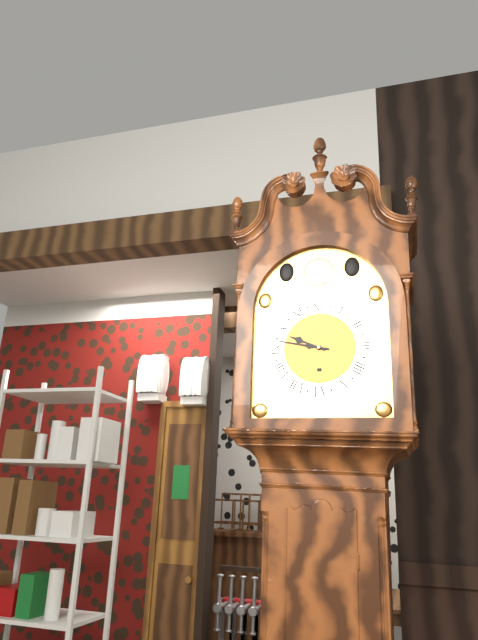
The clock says 9.47
